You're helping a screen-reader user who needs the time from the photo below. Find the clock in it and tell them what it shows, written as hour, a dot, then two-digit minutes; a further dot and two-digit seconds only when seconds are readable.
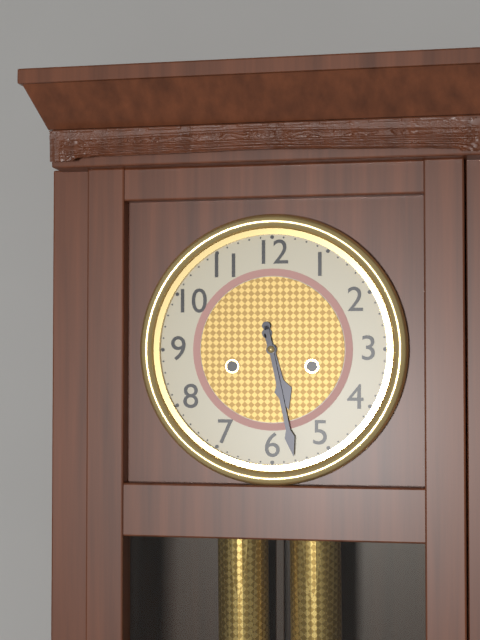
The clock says 5.28
